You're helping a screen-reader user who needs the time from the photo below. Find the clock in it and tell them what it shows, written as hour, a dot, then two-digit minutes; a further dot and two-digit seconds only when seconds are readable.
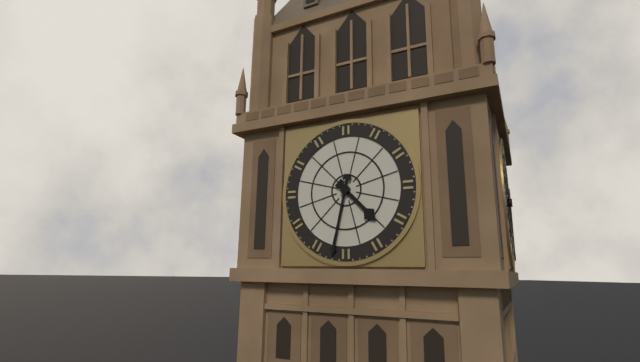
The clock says 4.32
